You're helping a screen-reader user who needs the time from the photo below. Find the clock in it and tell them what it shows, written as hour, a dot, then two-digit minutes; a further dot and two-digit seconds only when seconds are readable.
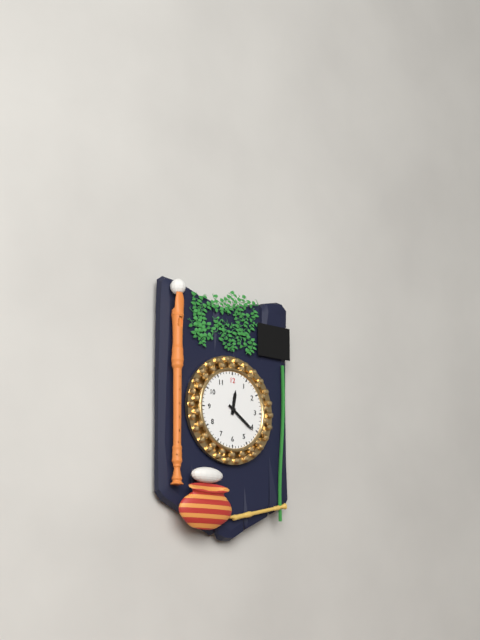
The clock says 12.21
